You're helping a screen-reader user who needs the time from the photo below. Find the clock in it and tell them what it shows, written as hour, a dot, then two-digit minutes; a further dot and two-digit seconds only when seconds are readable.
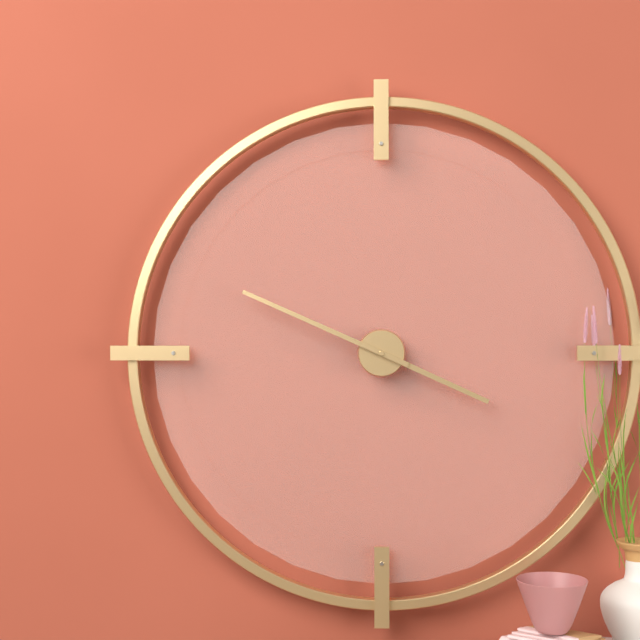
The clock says 3.49
